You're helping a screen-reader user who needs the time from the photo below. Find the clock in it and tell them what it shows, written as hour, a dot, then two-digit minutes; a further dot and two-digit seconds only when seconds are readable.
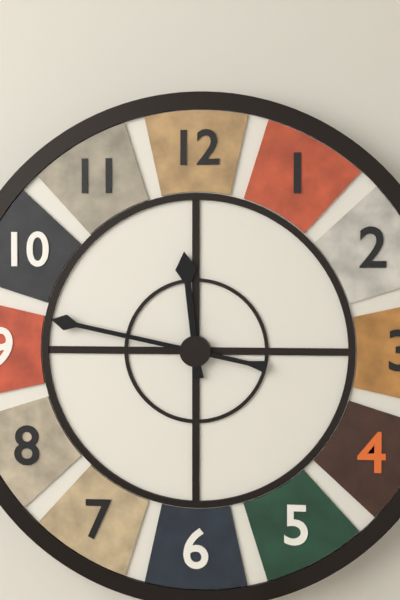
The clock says 11.47
